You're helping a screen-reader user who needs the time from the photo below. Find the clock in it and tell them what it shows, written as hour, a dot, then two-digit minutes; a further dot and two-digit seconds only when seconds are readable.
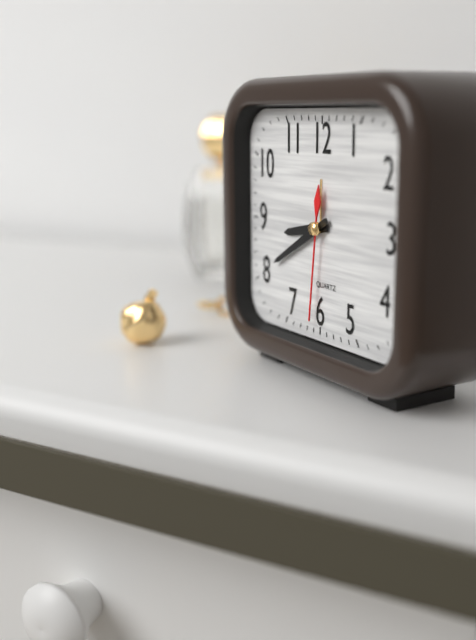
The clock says 8.40.31
